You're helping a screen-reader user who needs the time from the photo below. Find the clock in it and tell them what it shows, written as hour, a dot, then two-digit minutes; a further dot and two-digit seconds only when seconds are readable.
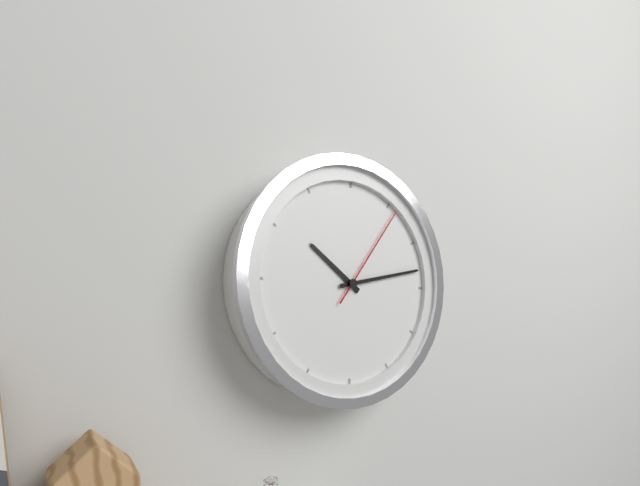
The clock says 10.13.06
